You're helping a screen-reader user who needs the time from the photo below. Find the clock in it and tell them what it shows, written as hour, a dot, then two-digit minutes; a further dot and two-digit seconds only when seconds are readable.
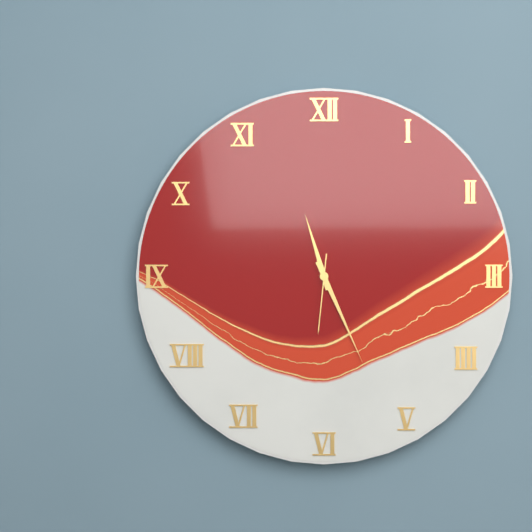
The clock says 11.26.31
